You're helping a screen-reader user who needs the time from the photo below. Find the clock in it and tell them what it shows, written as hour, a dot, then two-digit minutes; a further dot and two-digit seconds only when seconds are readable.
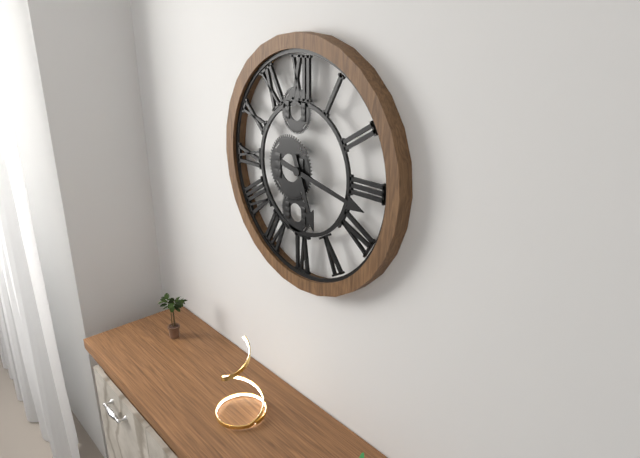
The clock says 5.17
